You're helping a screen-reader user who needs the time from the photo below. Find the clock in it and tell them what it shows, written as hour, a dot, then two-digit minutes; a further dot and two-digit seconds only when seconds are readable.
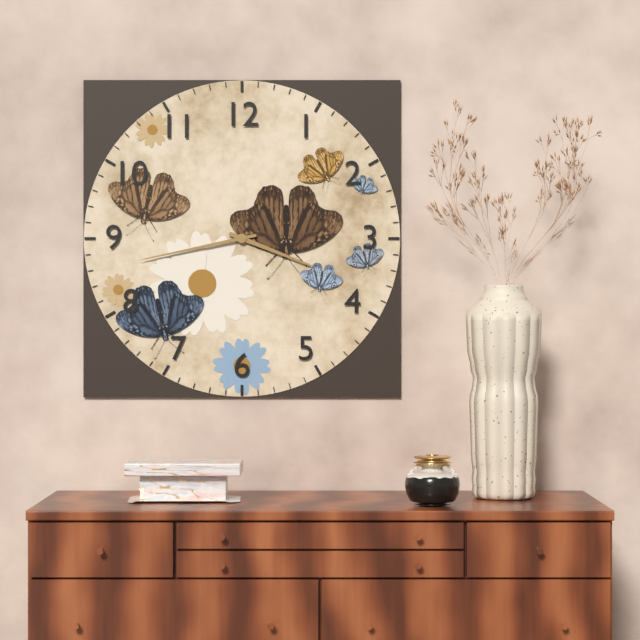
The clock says 3.43
